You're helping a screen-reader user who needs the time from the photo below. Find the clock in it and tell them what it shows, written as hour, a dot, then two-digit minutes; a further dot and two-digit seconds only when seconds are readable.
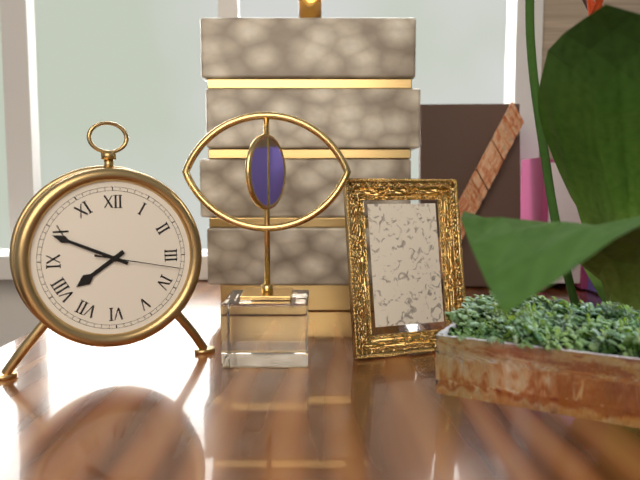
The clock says 7.49.17
